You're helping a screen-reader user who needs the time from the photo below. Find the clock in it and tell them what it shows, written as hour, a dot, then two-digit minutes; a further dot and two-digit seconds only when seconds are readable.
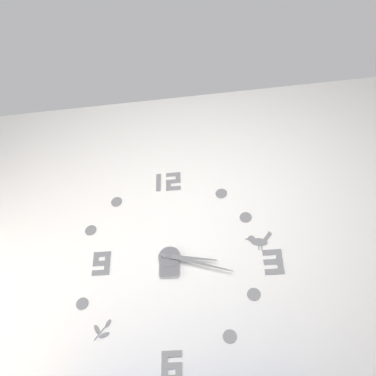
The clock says 3.18
